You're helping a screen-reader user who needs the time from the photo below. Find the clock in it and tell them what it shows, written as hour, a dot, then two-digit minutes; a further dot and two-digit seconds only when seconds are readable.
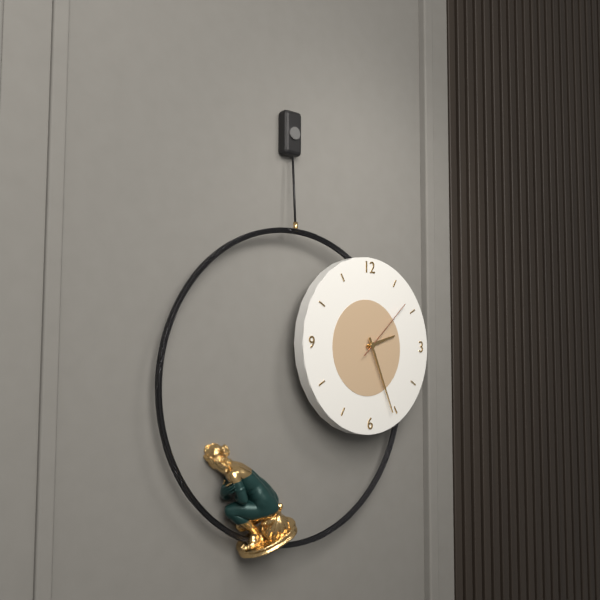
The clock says 2.26.08
